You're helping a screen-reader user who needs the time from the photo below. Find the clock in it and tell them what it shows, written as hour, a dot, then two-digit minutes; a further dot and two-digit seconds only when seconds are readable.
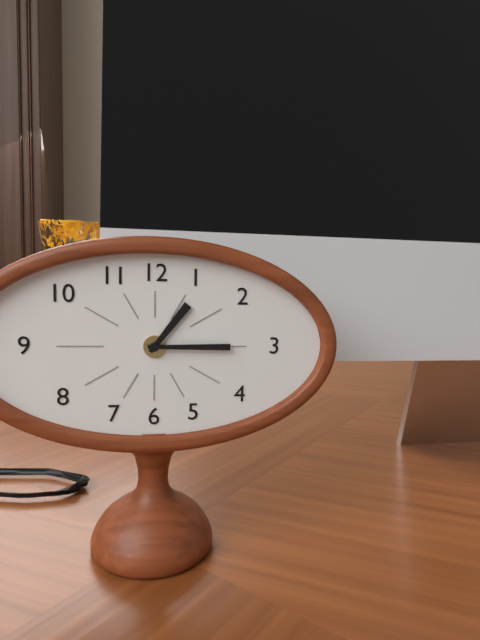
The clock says 1.15
